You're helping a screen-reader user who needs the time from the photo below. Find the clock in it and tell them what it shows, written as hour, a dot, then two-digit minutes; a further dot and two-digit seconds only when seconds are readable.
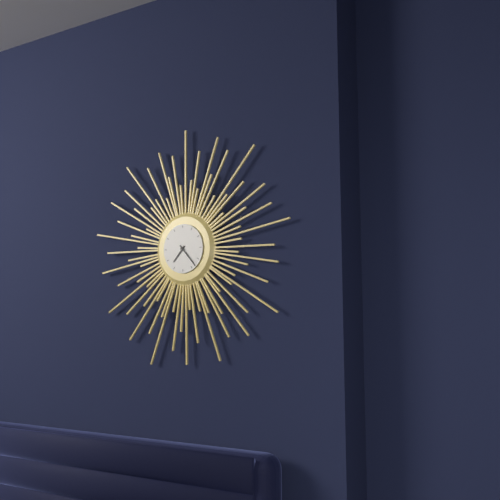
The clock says 7.23
